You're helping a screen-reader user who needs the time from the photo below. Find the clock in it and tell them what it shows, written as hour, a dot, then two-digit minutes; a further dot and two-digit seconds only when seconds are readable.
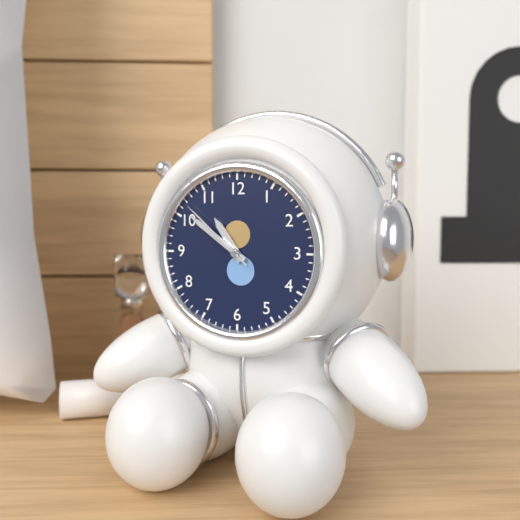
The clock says 10.51.52
